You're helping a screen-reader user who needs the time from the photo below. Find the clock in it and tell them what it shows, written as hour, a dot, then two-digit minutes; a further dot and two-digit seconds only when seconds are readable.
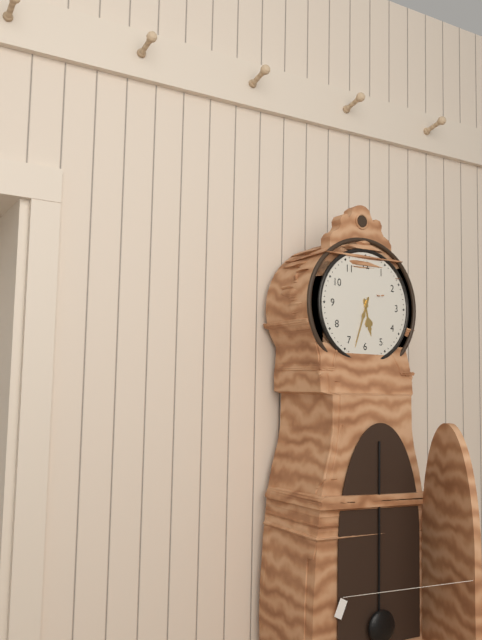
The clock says 5.33
